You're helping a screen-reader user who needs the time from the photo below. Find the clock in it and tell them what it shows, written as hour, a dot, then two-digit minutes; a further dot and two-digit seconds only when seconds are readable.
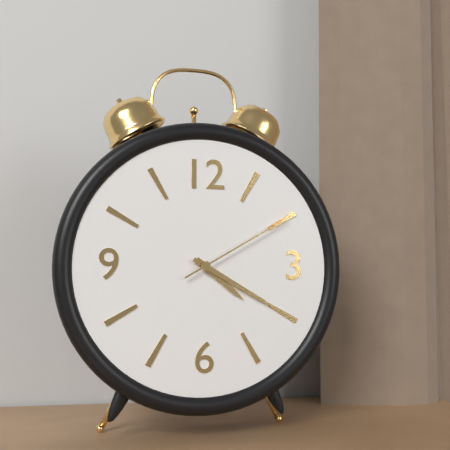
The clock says 4.20.10
